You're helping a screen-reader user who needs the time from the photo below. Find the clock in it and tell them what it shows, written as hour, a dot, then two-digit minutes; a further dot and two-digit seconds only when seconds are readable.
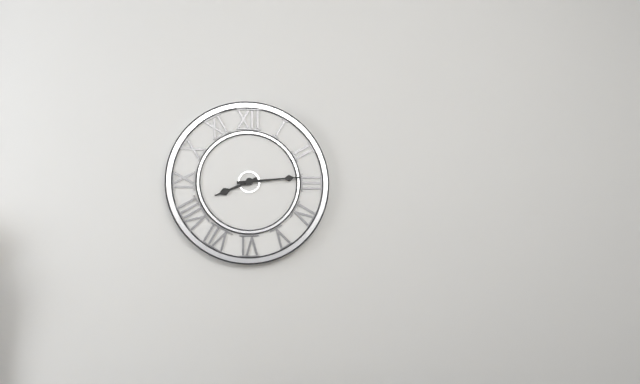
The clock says 8.14
